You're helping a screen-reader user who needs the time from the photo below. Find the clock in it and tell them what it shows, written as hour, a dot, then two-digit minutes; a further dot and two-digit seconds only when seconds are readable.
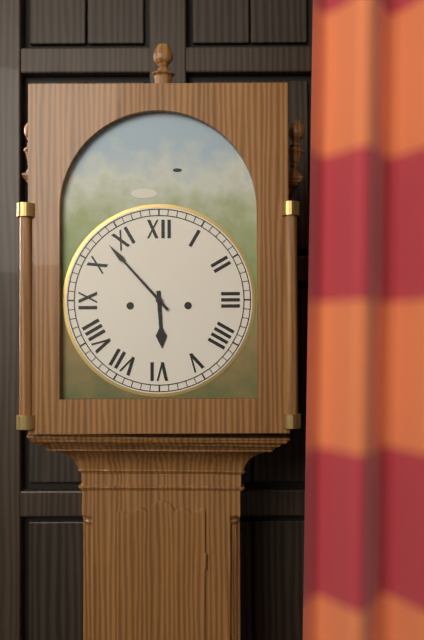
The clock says 5.53
